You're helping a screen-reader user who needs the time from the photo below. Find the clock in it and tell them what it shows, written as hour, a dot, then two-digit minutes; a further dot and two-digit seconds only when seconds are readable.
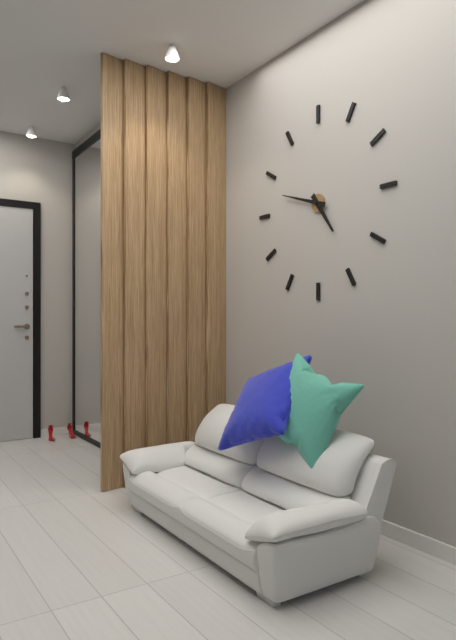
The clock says 4.48
